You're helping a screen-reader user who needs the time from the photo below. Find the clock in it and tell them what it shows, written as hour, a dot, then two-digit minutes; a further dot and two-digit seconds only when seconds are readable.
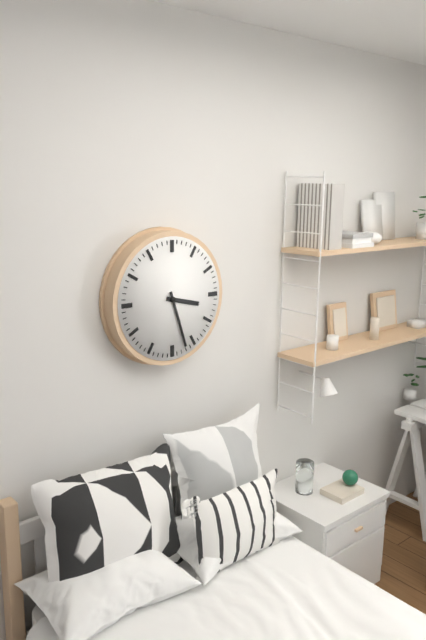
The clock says 3.27
